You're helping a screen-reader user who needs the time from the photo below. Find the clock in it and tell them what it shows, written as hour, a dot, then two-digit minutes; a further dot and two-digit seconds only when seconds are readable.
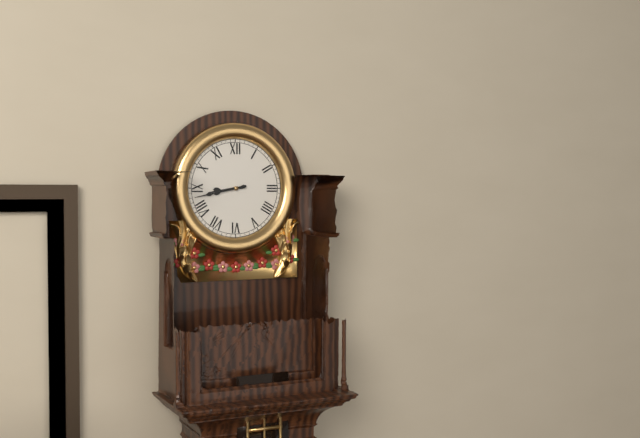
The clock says 8.43
